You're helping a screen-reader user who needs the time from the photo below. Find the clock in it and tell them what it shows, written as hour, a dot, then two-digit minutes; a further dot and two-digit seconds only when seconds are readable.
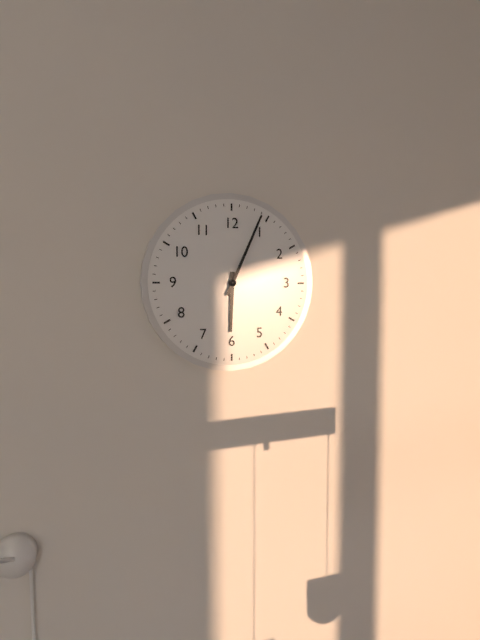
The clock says 6.04
